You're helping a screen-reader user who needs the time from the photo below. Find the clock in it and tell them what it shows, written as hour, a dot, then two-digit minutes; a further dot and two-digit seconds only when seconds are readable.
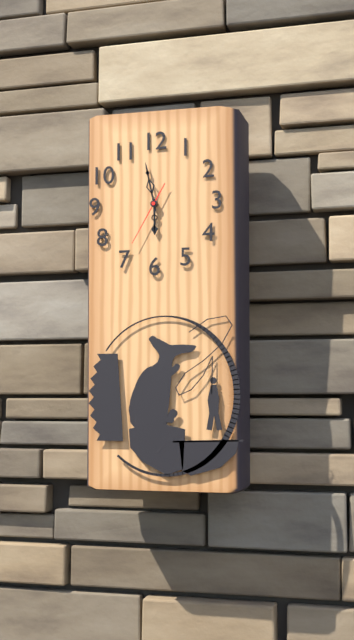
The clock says 5.58.35
